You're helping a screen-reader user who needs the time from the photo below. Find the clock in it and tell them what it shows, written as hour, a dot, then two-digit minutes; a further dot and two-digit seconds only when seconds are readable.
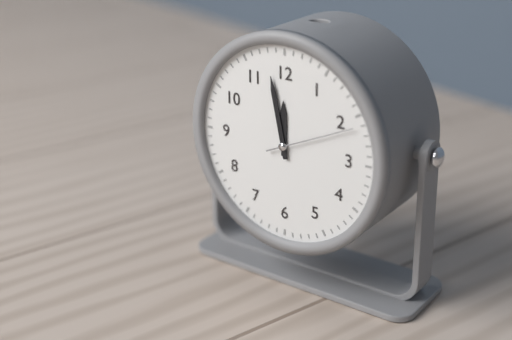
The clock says 11.58.11
